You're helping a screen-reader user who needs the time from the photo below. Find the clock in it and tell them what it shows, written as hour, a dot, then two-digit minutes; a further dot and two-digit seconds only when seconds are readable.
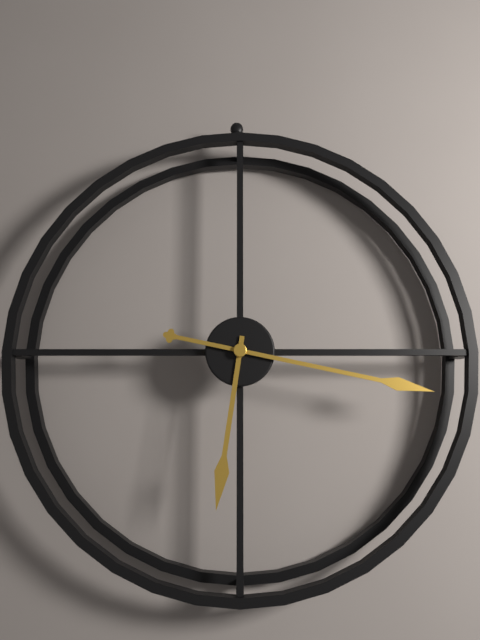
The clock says 6.17
